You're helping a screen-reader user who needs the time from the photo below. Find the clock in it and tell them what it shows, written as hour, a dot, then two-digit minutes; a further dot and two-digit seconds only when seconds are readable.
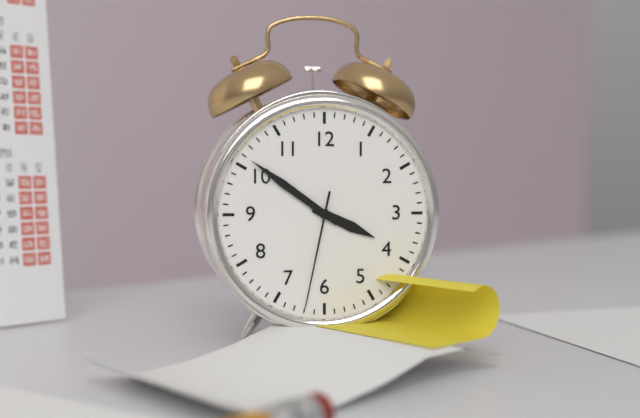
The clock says 3.51.32
